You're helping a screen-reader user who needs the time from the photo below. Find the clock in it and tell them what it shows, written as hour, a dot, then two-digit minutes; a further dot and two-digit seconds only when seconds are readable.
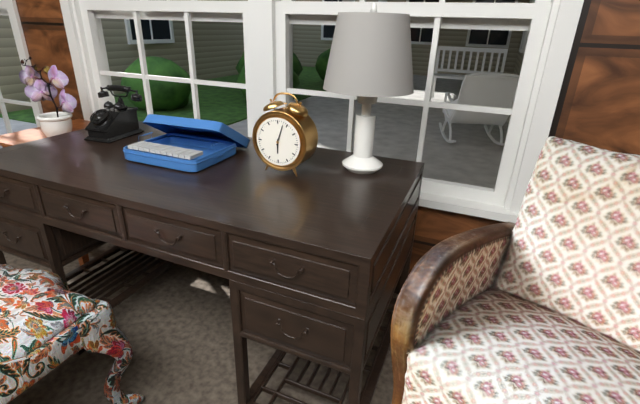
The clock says 6.03
